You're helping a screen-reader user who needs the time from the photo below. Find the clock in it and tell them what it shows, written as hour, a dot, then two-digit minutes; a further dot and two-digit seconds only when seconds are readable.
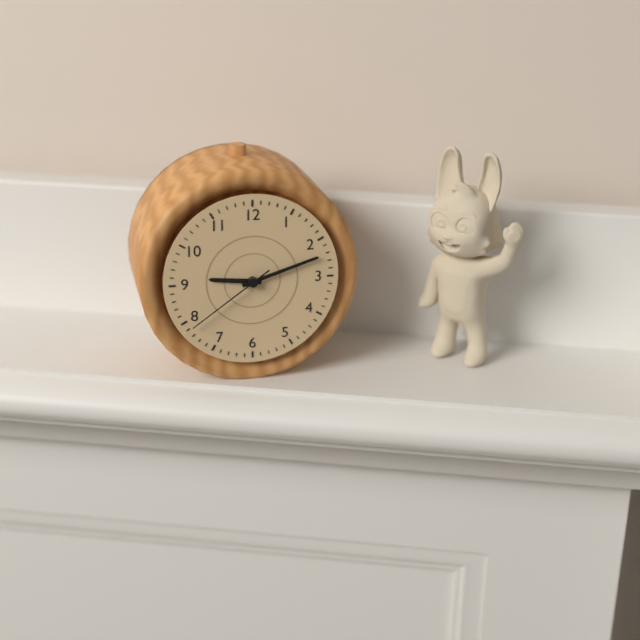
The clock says 9.12.39
